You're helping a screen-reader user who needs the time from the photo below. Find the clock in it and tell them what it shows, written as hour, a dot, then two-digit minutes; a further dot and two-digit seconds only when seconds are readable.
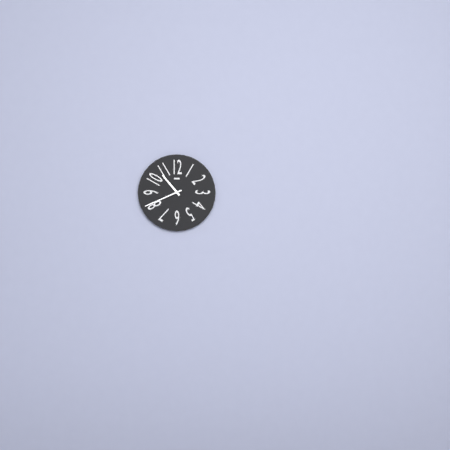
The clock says 10.41
